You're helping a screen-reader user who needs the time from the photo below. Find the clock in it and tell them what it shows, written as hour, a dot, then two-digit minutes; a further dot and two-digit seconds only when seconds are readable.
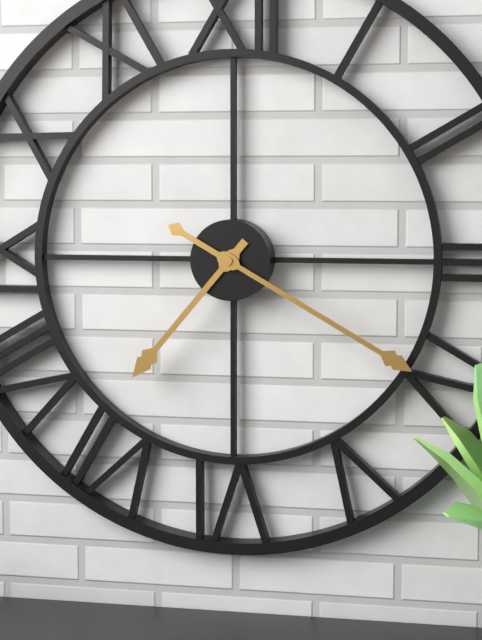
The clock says 7.20
